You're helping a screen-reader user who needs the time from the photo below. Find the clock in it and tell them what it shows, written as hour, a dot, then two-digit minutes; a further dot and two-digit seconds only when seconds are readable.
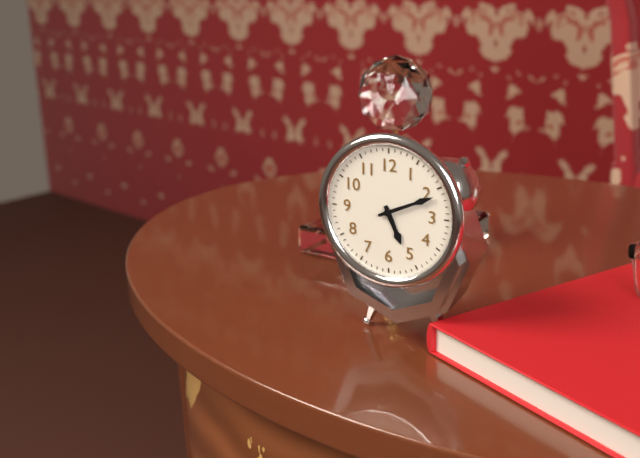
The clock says 5.11
